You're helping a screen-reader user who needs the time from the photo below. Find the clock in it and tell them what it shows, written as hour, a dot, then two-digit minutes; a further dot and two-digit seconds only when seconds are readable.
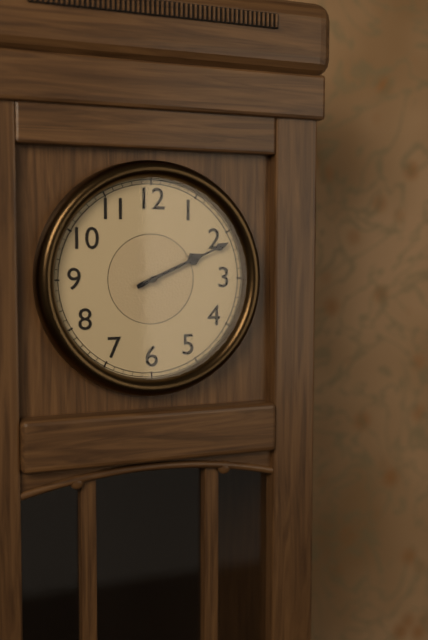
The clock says 2.11
